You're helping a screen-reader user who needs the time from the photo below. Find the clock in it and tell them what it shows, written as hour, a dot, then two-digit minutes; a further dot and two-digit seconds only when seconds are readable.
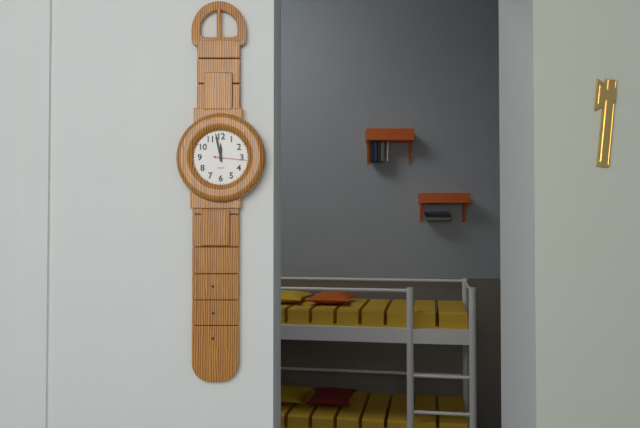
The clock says 11.58
